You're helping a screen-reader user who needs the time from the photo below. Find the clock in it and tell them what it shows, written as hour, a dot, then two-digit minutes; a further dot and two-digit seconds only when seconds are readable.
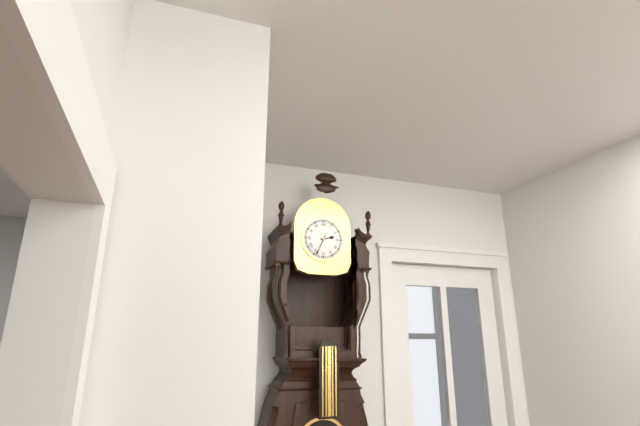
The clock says 2.34
